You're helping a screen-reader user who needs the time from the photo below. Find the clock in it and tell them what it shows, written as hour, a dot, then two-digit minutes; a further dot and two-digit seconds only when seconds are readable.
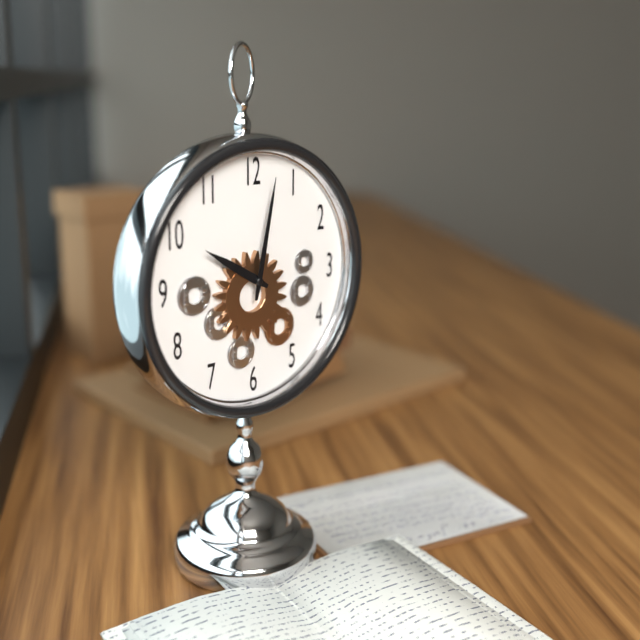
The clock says 10.02
